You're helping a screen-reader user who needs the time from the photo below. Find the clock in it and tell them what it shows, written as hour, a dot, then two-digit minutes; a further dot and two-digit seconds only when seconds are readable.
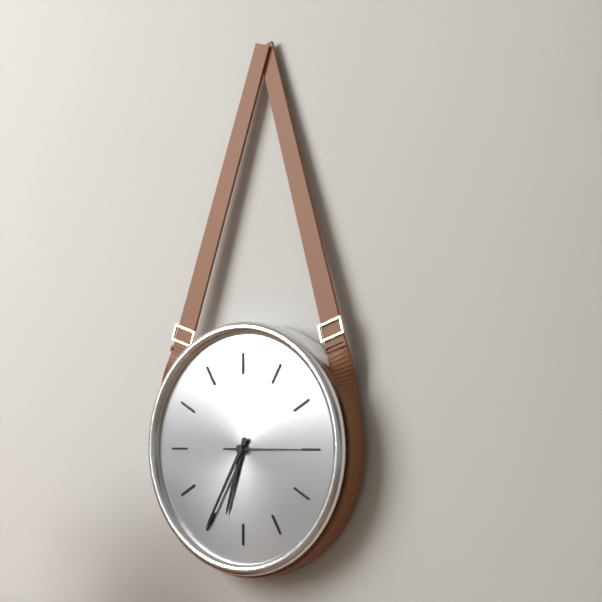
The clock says 6.35.15
